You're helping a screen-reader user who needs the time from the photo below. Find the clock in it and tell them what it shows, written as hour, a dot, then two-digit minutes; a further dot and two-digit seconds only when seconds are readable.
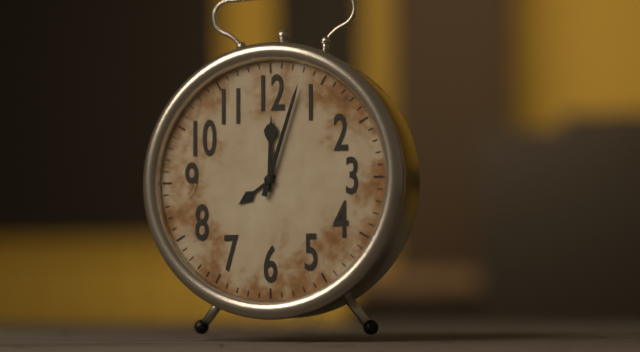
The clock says 12.03
